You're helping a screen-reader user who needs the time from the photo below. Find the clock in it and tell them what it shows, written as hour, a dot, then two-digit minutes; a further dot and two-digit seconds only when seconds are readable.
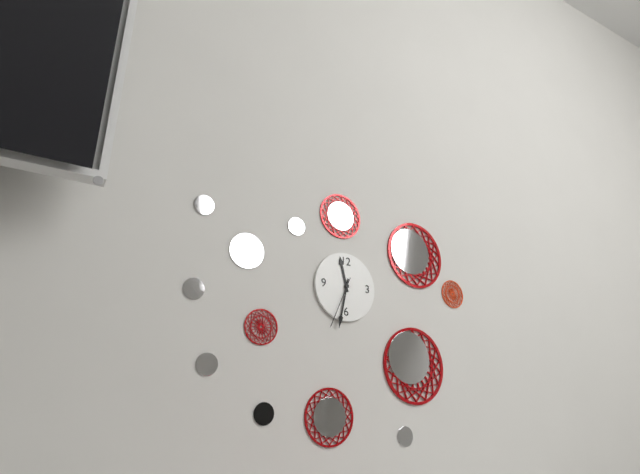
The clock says 11.32.34
